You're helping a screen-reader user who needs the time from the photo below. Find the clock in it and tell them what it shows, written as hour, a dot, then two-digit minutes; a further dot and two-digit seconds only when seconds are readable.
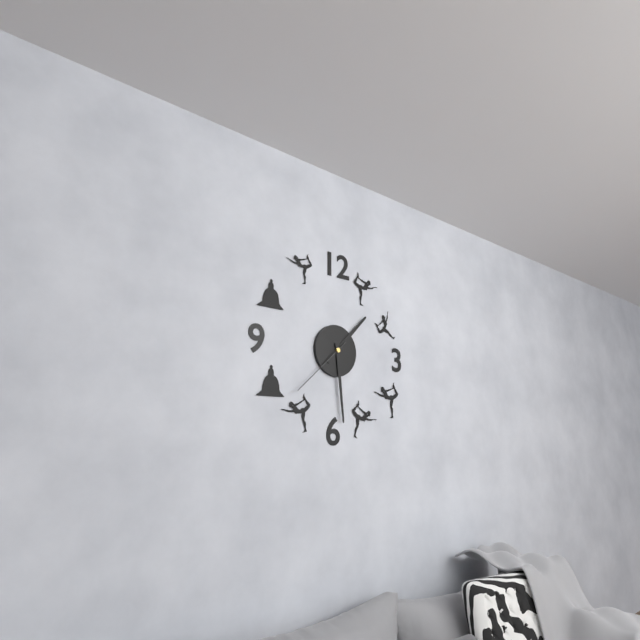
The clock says 1.29.38
